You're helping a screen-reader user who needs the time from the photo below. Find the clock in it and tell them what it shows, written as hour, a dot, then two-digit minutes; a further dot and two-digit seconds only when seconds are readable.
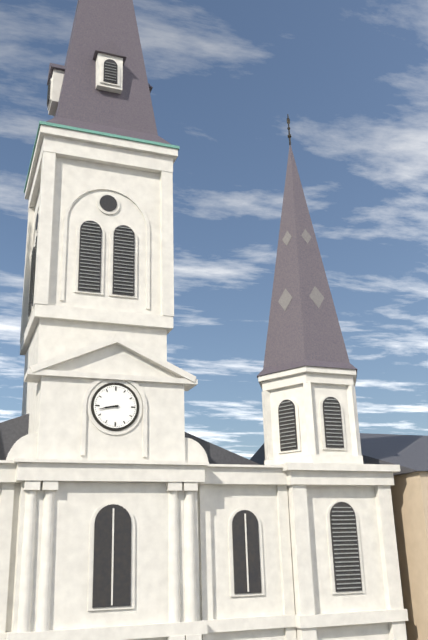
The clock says 8.43
